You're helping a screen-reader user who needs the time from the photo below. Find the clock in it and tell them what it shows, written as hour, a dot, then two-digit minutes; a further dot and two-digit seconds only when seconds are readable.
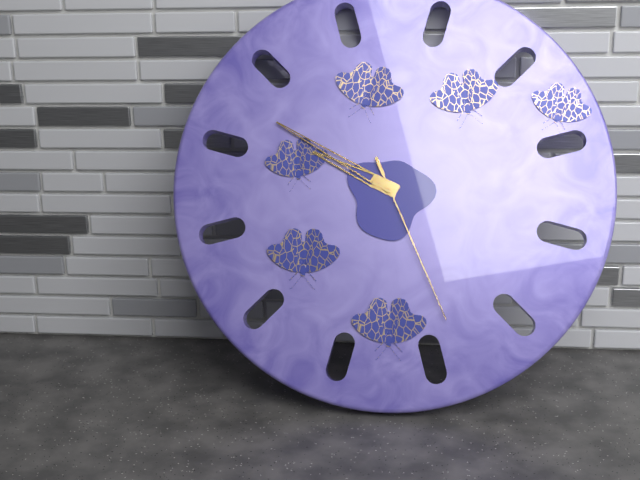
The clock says 9.50.26
